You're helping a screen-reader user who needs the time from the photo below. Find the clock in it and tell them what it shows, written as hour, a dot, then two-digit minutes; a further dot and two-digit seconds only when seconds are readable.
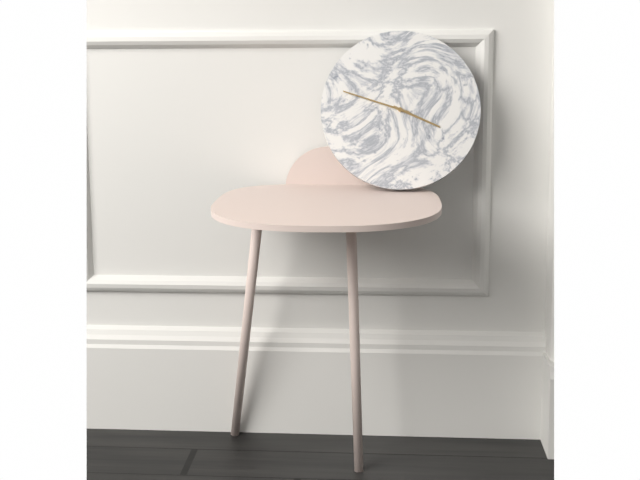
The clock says 3.48
